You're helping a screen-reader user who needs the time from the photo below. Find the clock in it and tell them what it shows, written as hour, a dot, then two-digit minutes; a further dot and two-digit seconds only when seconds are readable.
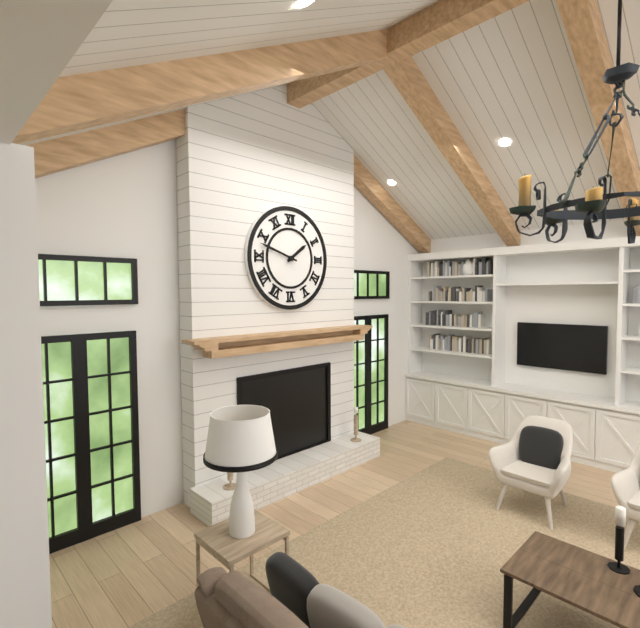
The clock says 1.48
